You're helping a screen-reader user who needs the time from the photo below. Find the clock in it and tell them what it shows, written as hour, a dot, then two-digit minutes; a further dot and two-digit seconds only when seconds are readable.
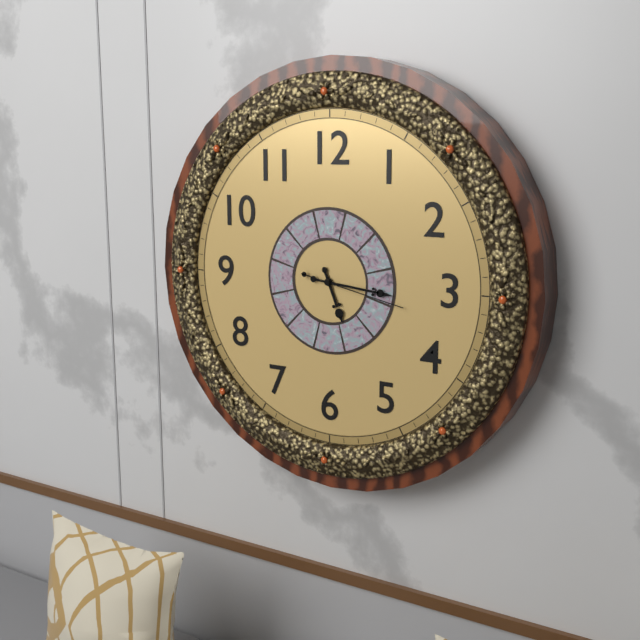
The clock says 5.16.17
